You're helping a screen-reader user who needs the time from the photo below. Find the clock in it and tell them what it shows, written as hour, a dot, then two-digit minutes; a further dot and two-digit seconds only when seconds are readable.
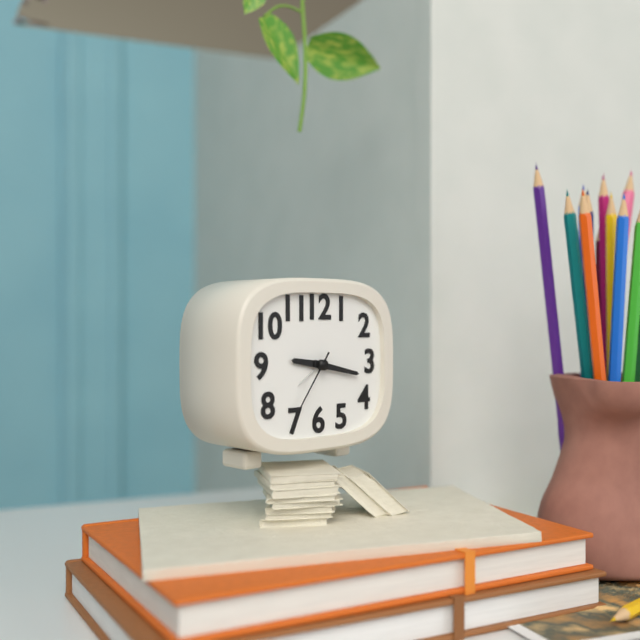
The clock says 9.17.36
